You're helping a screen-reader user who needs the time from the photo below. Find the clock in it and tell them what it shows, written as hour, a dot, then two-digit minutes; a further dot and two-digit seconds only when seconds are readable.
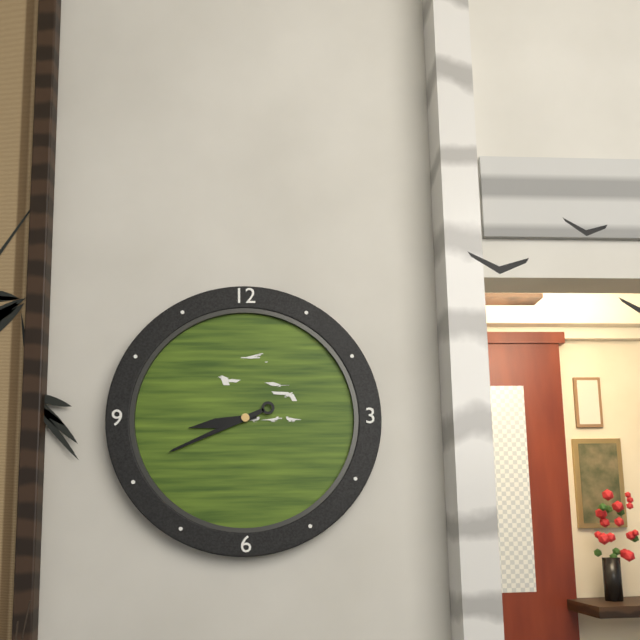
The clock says 8.41
